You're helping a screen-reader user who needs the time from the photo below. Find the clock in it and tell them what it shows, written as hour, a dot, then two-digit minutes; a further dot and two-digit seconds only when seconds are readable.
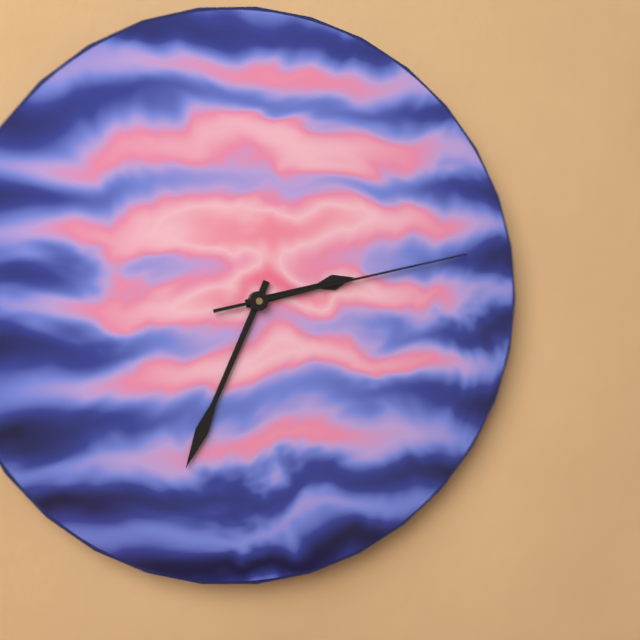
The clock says 2.34.13
